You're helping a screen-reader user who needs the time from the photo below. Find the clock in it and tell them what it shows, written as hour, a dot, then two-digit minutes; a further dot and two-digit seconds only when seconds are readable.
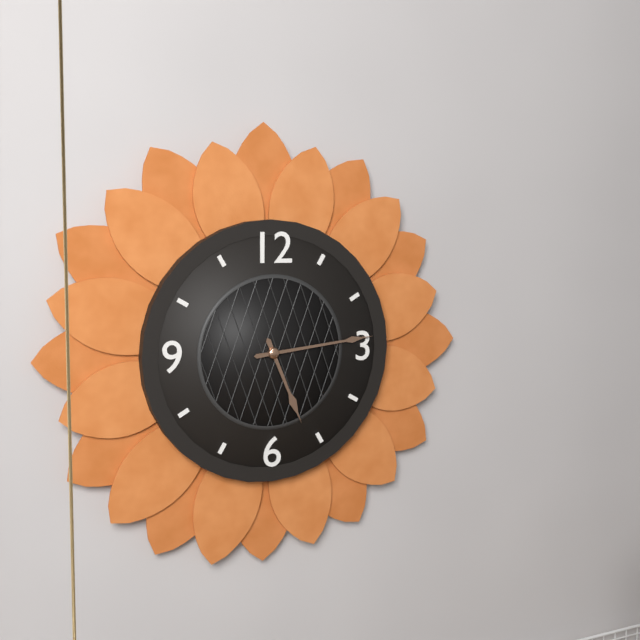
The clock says 5.14
